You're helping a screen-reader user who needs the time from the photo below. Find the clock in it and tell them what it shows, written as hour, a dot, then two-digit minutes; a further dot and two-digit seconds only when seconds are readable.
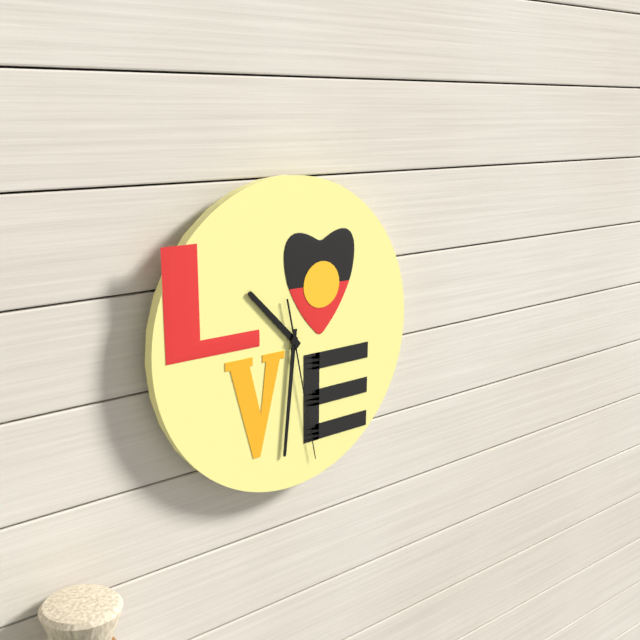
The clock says 10.31.28
